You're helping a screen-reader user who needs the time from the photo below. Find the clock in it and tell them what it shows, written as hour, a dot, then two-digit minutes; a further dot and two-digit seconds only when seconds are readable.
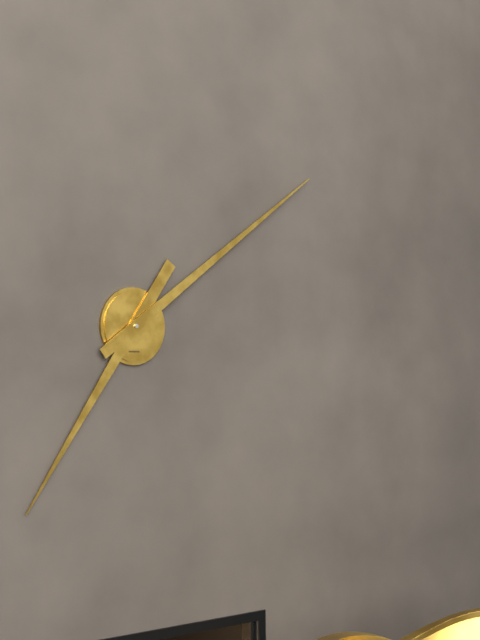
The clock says 7.09
